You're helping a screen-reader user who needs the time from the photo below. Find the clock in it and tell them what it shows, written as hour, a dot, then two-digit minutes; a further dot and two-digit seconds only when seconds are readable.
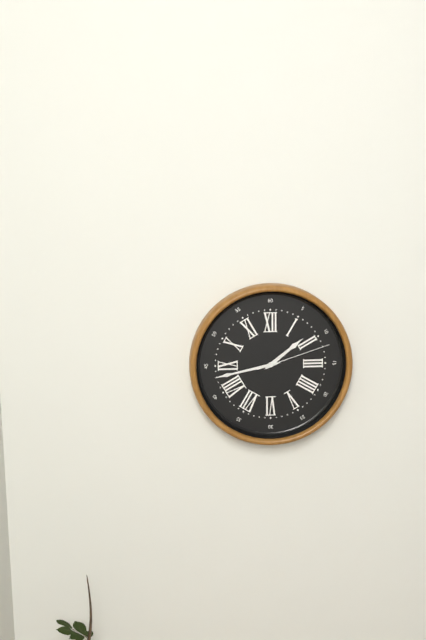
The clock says 1.43.12
